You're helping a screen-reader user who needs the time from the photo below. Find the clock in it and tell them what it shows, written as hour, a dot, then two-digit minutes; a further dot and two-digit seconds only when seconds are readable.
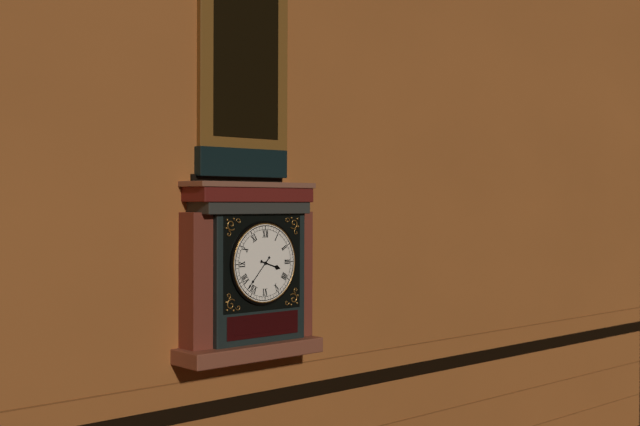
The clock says 3.37
